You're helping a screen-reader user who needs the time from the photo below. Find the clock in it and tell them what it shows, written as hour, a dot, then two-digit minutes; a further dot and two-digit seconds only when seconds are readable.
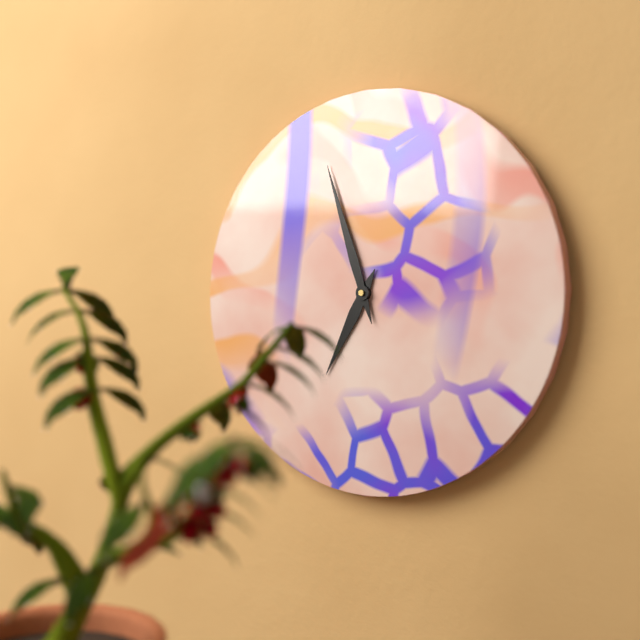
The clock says 6.57
